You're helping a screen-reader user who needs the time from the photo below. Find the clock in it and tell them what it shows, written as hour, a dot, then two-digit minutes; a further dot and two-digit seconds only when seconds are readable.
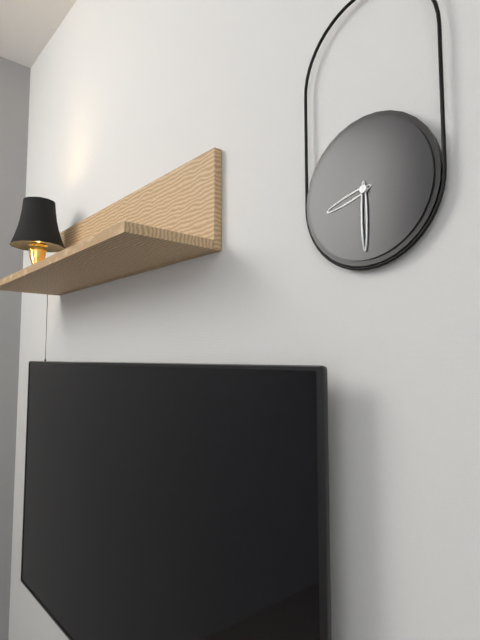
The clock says 8.30
